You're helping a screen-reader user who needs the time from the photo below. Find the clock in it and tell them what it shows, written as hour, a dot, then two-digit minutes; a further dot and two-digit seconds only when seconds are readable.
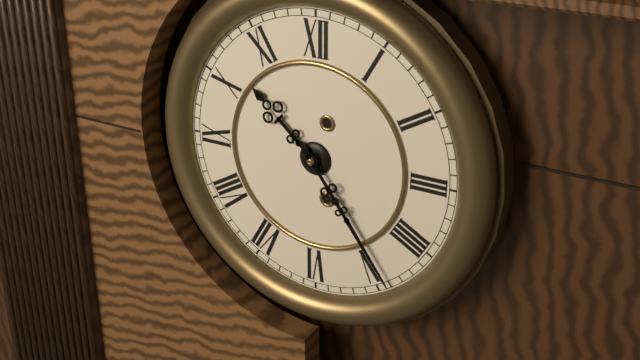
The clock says 10.24
